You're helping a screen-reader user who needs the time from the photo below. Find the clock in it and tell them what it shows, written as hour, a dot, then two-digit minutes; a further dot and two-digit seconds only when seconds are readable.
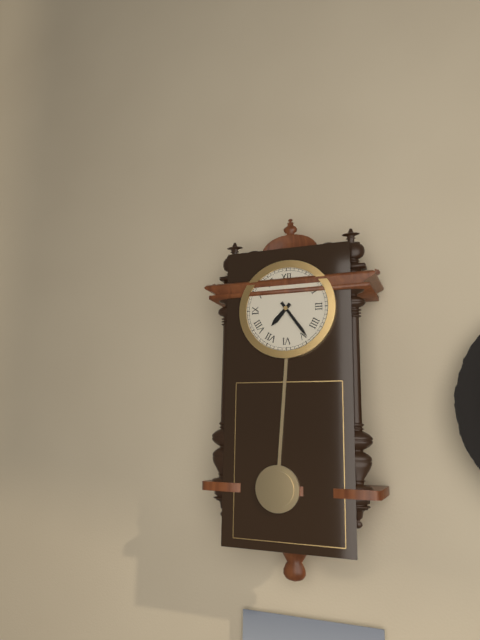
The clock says 7.24
